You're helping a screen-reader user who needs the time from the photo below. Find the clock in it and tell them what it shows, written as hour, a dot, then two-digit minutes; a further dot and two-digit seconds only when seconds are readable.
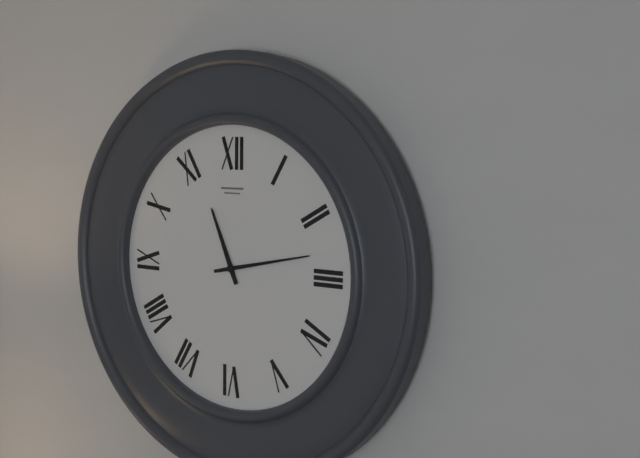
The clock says 11.13
